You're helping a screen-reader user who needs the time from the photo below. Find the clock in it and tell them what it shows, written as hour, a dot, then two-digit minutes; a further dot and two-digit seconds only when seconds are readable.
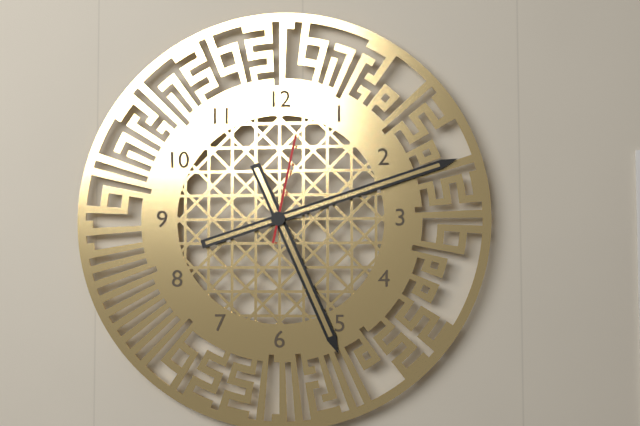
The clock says 5.12.02
